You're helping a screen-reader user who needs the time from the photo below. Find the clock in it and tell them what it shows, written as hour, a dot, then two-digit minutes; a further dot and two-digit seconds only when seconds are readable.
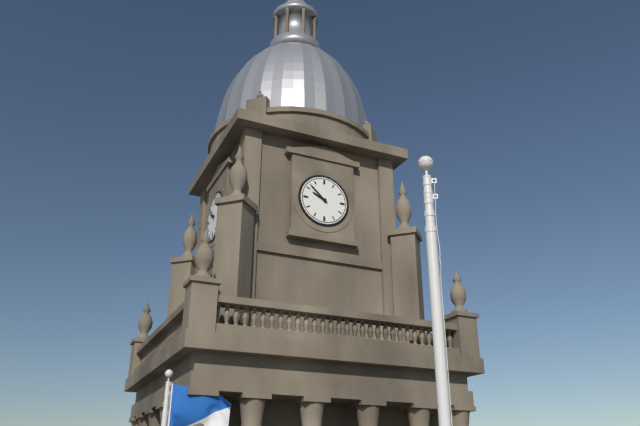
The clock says 9.52
